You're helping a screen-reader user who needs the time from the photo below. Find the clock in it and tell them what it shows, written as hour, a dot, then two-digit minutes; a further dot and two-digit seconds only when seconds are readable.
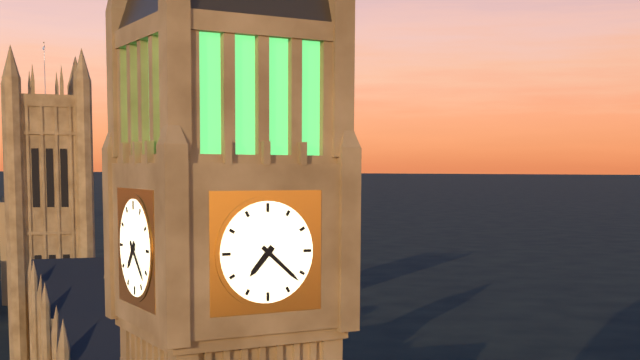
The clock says 7.22
